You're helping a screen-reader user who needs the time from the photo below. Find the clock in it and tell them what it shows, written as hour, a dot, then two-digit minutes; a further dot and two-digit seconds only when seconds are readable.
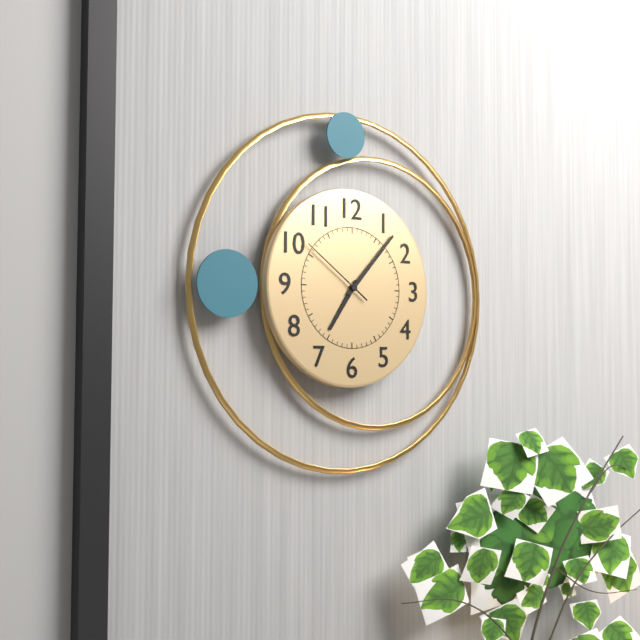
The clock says 7.07.51
